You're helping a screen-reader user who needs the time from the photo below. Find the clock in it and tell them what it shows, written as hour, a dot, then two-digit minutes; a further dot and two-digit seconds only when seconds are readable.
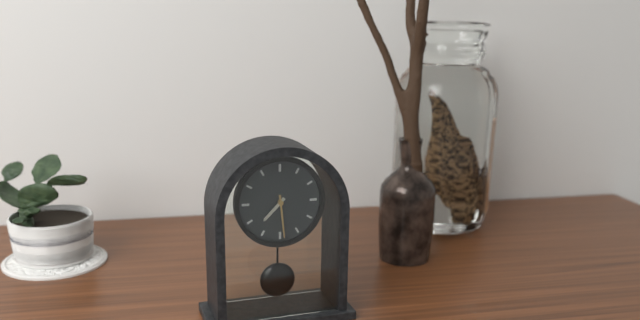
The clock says 7.29
